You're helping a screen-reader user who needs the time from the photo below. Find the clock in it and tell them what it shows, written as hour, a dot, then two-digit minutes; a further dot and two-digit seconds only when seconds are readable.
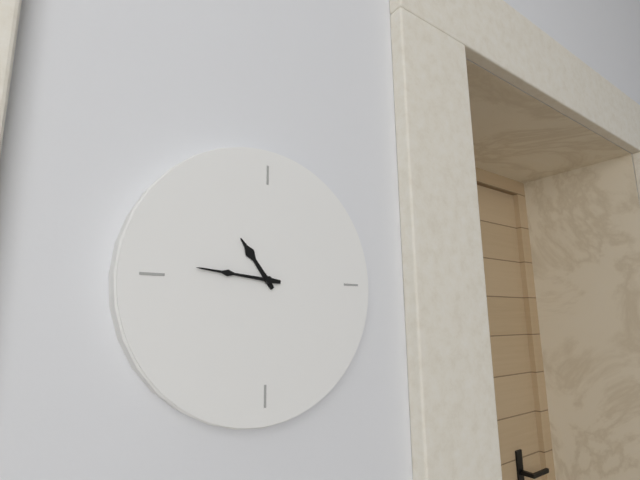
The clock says 10.46
